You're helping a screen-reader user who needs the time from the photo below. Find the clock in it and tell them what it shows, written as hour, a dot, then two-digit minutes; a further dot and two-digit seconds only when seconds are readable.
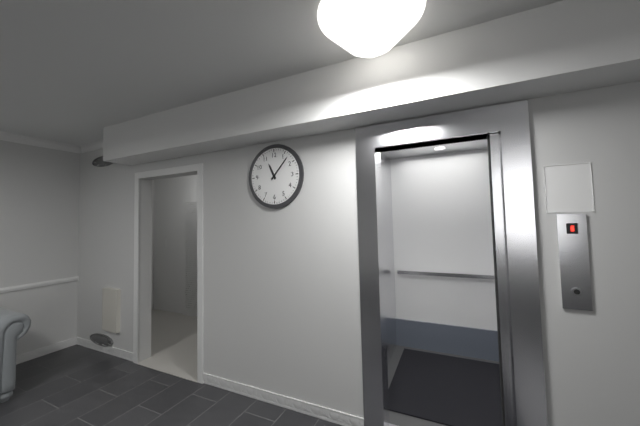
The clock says 11.07
